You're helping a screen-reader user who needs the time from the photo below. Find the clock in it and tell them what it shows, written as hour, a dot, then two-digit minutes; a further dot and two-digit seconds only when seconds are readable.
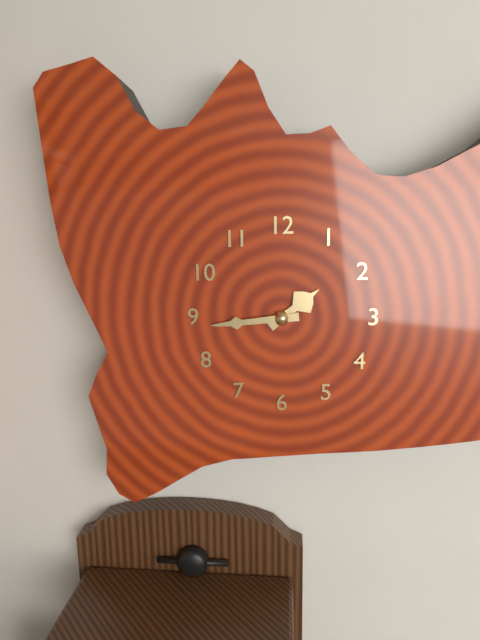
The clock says 1.44
